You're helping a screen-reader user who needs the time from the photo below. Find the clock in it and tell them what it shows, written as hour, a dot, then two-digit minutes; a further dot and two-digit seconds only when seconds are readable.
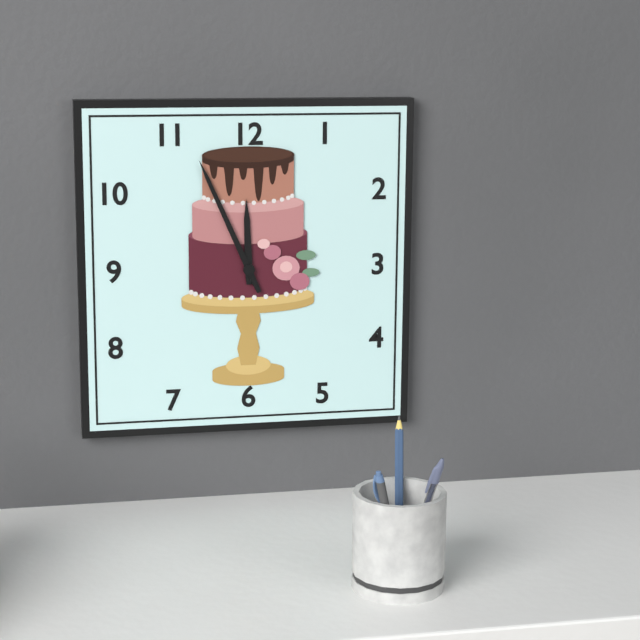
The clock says 11.56
